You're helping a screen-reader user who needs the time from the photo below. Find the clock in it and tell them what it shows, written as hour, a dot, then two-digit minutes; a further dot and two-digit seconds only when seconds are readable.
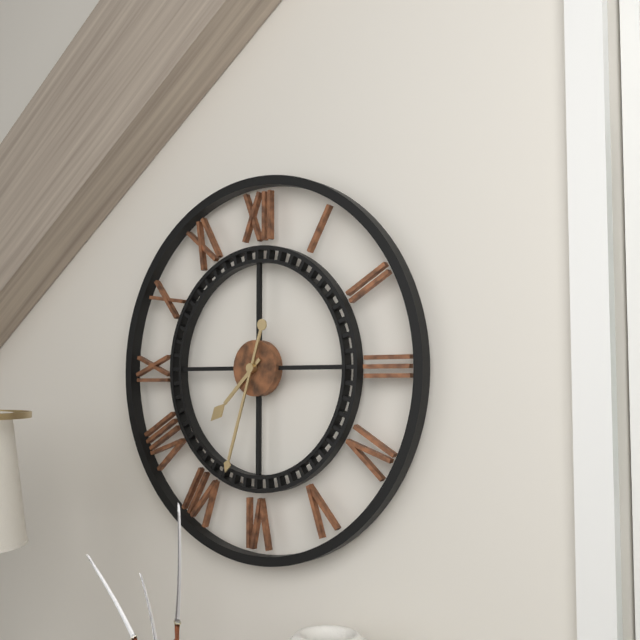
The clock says 7.33
